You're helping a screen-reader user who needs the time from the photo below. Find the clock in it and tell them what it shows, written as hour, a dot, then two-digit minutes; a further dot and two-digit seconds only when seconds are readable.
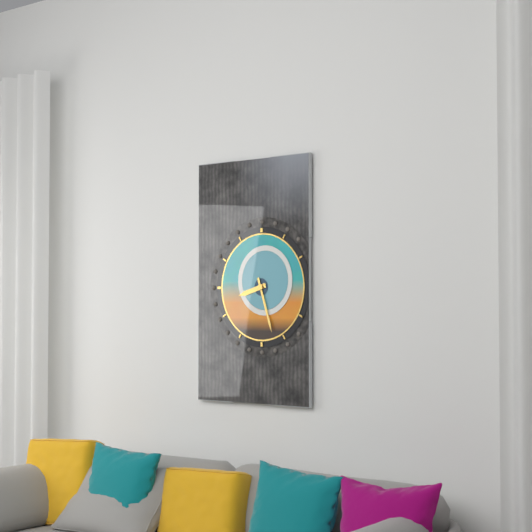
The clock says 8.27
